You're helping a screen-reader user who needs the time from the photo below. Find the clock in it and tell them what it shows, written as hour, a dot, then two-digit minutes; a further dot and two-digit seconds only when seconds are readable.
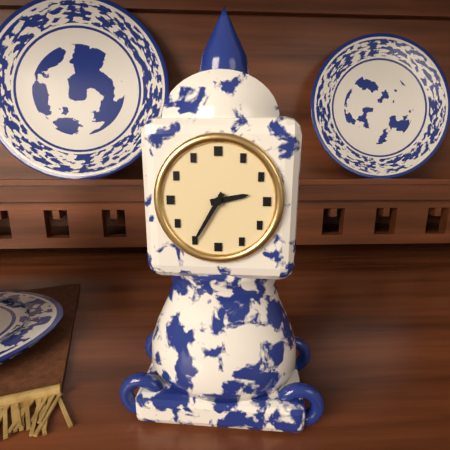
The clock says 2.35
